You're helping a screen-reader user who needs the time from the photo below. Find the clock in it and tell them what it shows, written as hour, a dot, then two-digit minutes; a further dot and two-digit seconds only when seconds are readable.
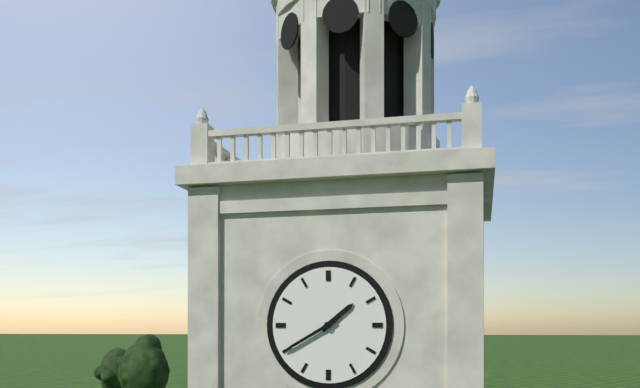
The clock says 1.40
